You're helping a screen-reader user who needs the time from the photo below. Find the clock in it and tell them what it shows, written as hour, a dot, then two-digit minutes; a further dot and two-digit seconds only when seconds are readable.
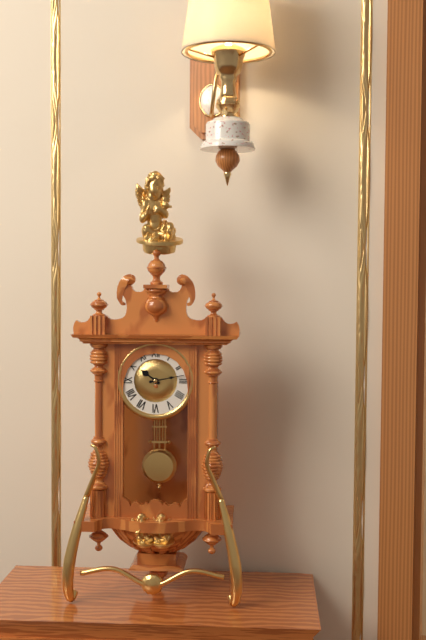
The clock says 10.13
